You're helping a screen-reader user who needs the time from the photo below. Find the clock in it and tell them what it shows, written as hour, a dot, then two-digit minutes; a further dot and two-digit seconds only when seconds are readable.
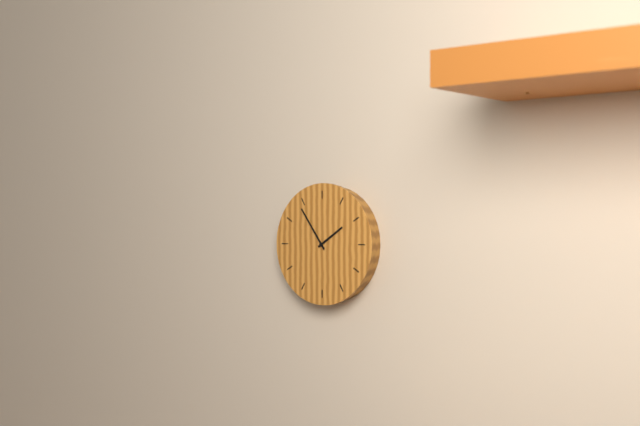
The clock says 1.54
